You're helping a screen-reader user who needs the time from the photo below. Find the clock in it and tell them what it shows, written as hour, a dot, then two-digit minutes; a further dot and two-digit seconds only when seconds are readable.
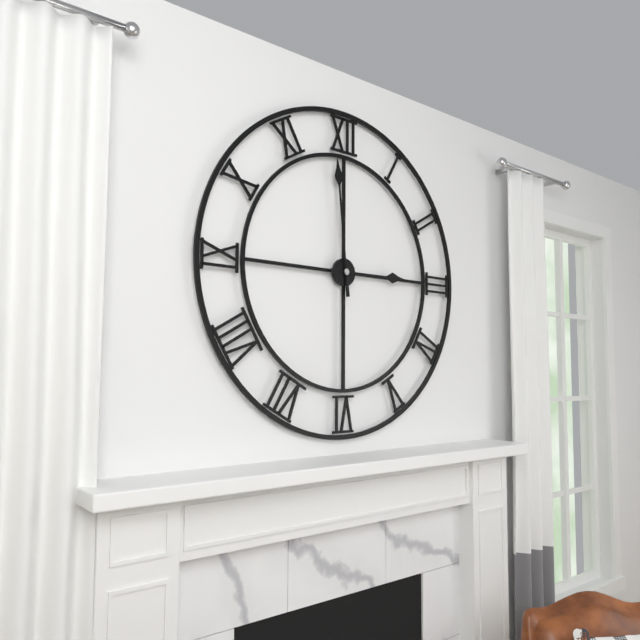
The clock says 2.59
